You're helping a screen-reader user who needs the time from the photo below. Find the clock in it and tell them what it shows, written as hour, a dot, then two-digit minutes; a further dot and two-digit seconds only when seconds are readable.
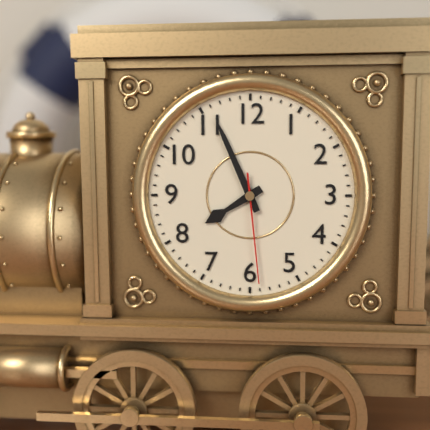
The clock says 7.56.29
